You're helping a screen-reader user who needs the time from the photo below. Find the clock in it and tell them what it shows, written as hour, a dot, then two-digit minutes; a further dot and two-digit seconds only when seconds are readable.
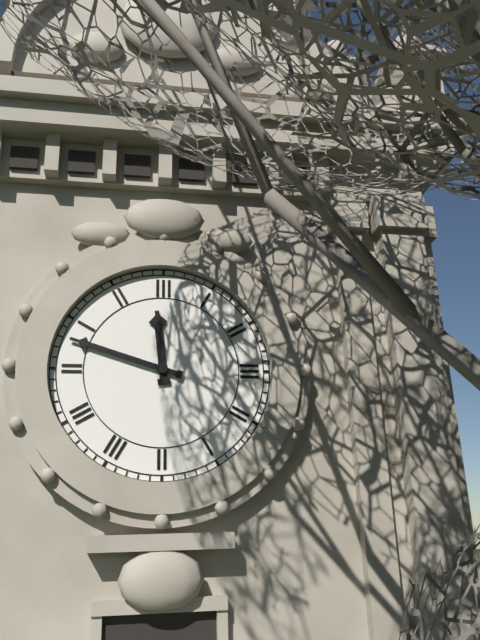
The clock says 11.48
